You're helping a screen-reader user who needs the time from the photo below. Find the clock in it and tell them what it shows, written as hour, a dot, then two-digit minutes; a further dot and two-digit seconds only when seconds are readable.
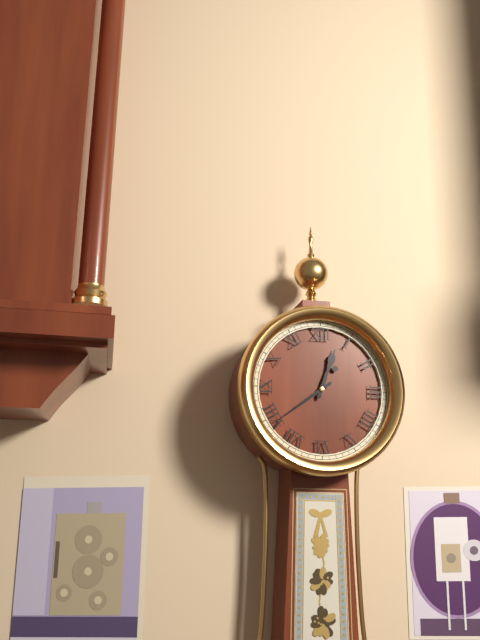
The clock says 12.39
